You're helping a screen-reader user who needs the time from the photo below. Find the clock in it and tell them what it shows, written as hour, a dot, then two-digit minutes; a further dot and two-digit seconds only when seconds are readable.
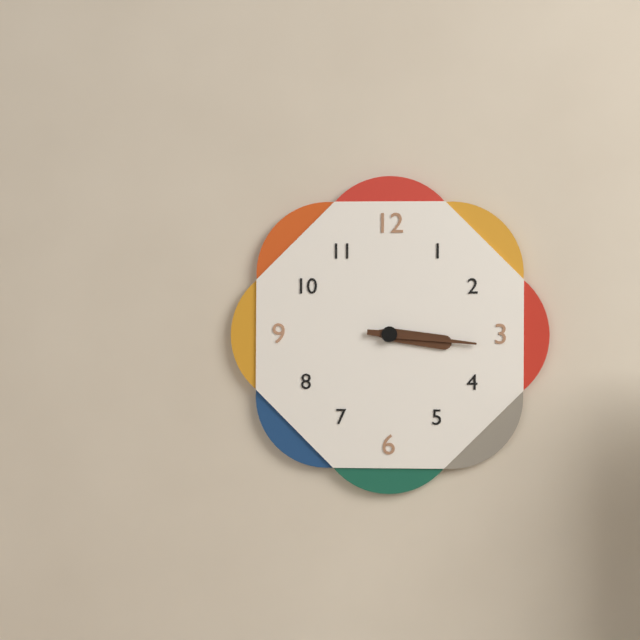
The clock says 3.16
